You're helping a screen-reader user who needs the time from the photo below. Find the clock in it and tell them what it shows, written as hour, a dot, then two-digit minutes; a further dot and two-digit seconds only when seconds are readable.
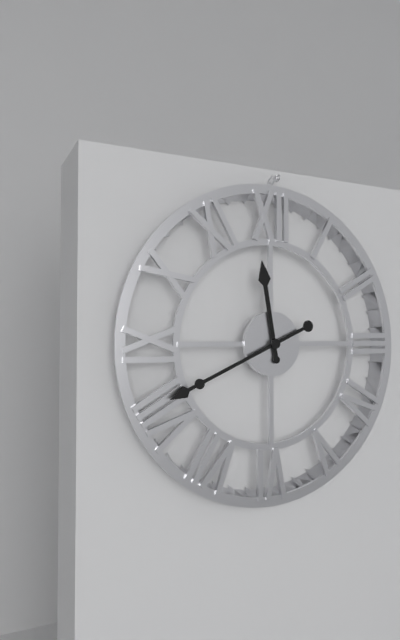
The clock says 11.41
